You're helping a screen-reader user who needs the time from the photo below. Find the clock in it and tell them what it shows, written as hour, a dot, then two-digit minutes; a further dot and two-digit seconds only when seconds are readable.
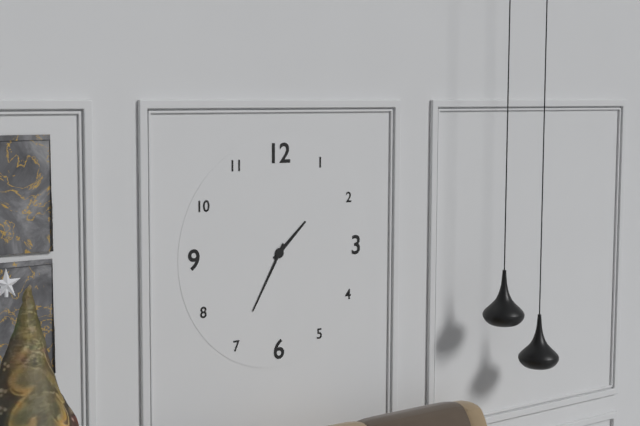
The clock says 1.35
